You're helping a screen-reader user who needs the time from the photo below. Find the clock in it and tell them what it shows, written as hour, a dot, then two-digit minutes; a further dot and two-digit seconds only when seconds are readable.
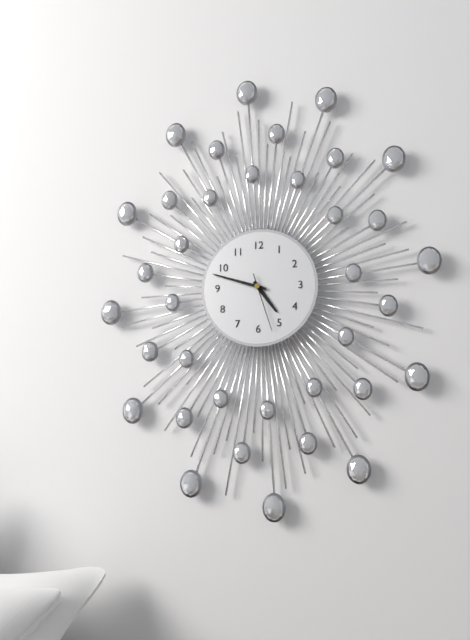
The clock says 4.48.27
